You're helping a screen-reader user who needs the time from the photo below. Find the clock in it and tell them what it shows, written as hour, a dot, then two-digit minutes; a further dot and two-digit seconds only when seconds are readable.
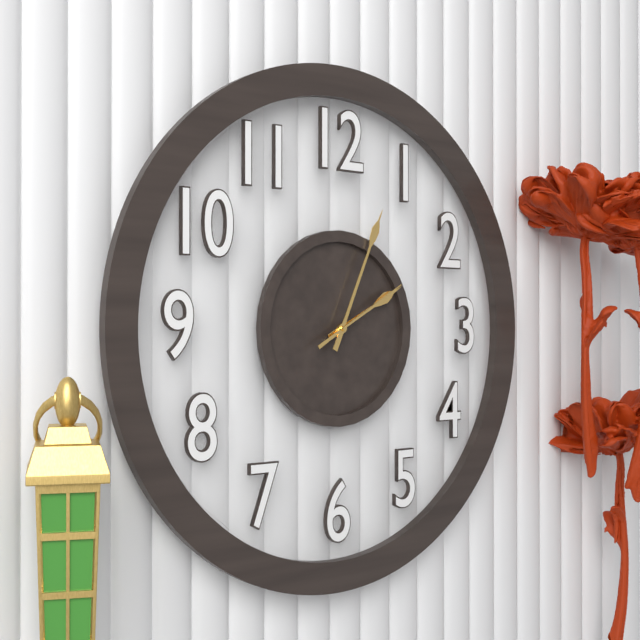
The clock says 2.04.10
